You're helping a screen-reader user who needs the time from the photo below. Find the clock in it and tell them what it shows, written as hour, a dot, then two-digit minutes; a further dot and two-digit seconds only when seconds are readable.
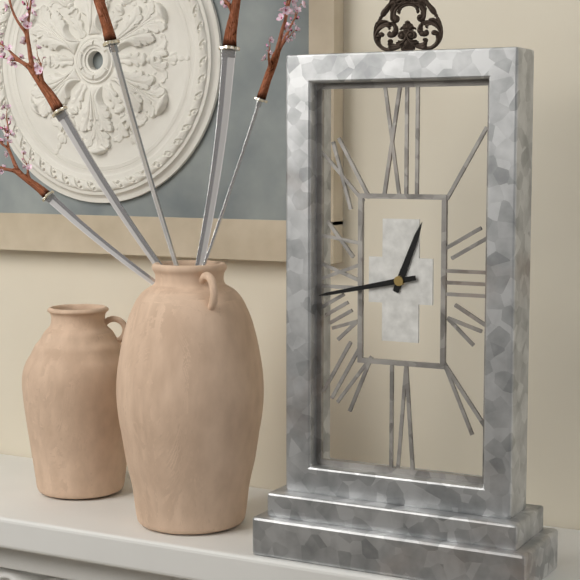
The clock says 12.43
